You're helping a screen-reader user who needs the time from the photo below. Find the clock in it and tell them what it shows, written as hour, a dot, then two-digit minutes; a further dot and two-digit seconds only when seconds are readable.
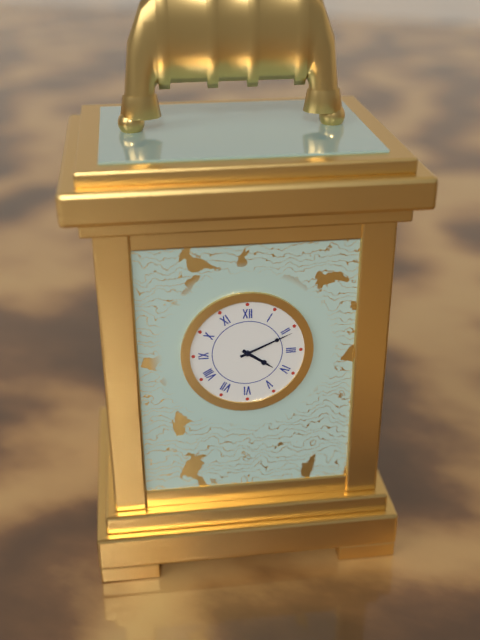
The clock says 4.11
